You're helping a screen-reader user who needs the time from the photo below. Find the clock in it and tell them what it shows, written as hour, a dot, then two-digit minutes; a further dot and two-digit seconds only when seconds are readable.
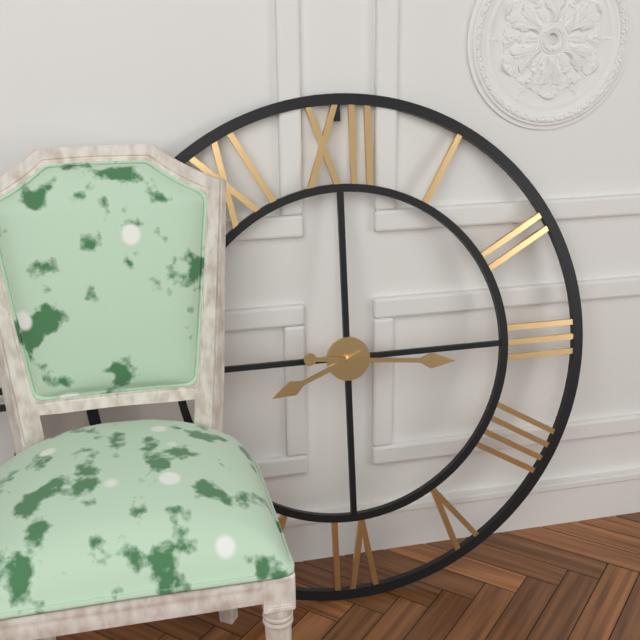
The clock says 8.16
